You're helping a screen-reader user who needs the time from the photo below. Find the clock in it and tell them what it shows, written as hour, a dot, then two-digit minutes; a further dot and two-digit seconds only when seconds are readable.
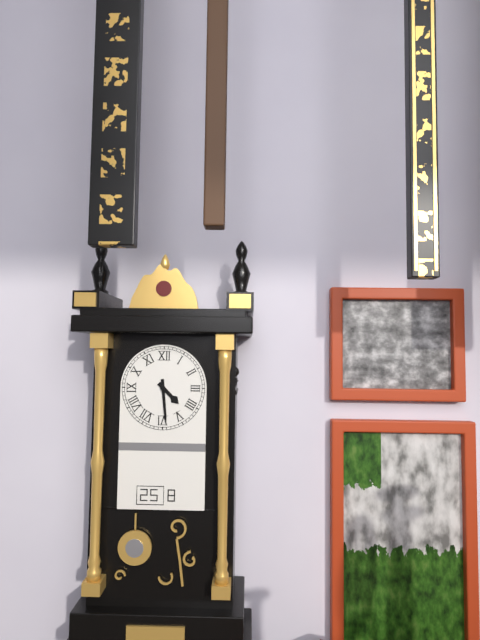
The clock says 4.29
